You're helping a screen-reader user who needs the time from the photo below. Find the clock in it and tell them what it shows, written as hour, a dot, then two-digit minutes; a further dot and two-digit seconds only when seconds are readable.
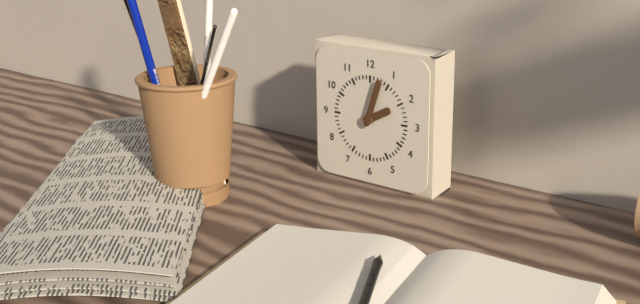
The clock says 2.03
